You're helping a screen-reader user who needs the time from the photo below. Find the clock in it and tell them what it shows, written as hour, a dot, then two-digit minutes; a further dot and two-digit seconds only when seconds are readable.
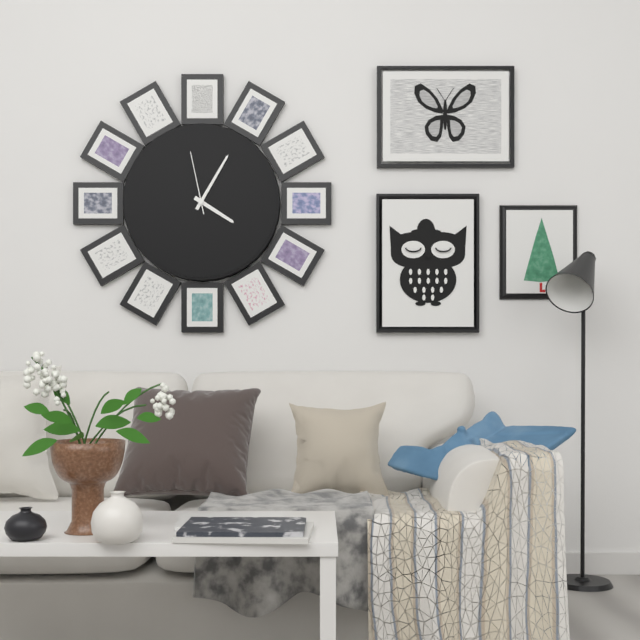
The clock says 4.05.58
